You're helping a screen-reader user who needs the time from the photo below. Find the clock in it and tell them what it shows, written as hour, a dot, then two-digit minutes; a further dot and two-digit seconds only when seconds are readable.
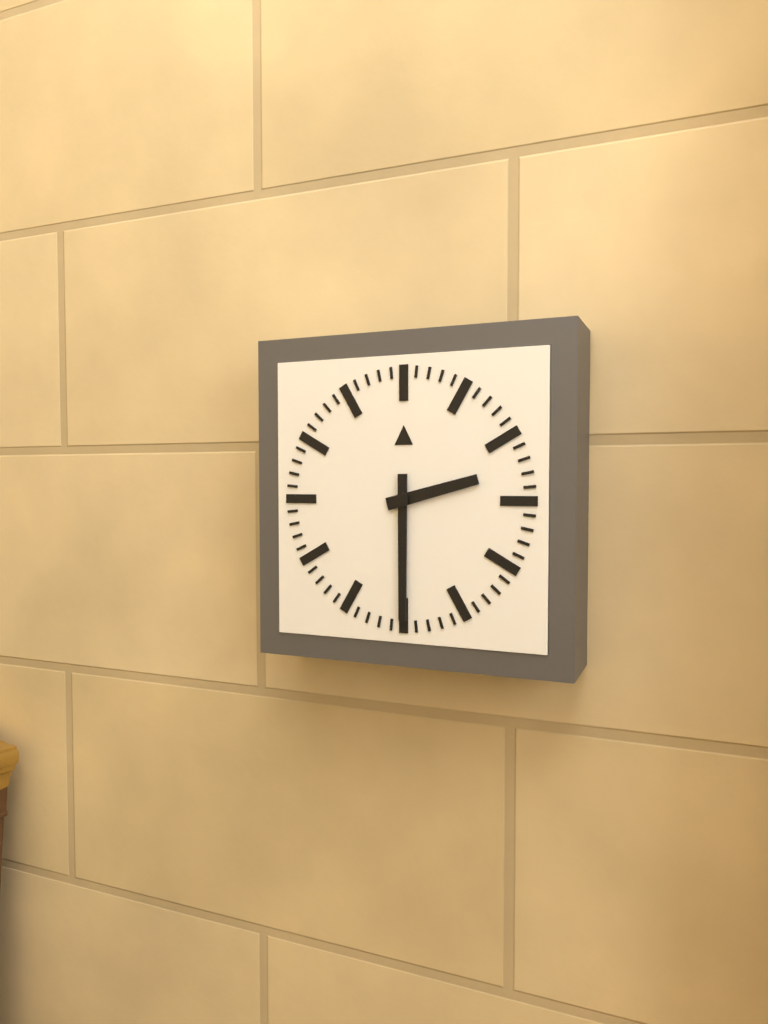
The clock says 2.30
